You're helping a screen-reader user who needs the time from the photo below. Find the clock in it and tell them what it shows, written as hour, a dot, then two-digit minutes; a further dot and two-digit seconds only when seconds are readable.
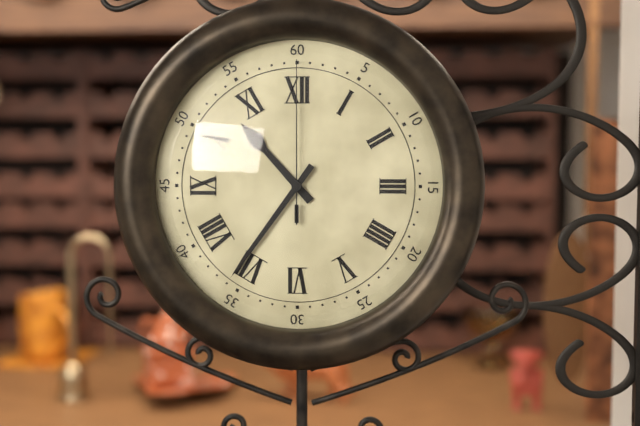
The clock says 10.36.00
